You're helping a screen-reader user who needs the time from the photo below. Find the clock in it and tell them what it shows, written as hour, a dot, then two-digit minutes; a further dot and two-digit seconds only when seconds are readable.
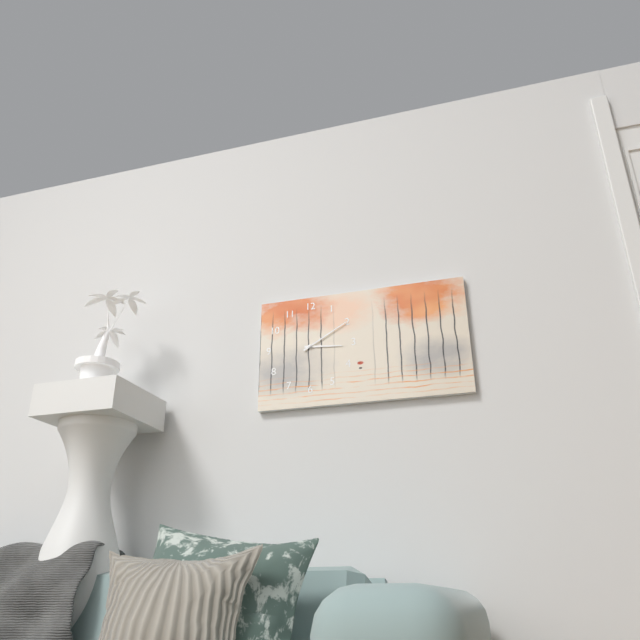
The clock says 3.10
